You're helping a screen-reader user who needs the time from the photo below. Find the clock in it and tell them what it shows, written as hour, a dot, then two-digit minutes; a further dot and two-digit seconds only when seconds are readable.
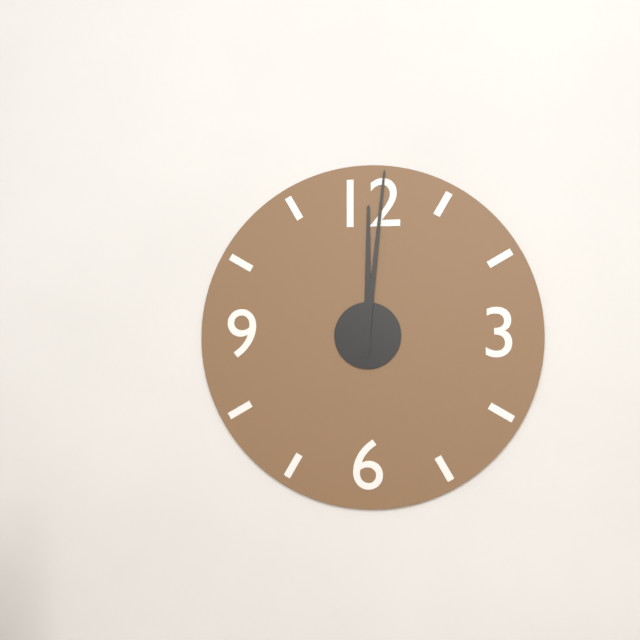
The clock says 12.01
